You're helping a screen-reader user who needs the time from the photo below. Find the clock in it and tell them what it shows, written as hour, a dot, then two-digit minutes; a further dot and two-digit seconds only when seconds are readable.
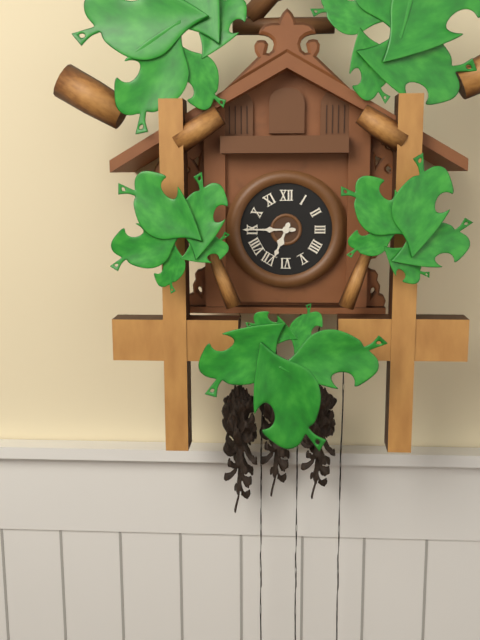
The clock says 6.45
